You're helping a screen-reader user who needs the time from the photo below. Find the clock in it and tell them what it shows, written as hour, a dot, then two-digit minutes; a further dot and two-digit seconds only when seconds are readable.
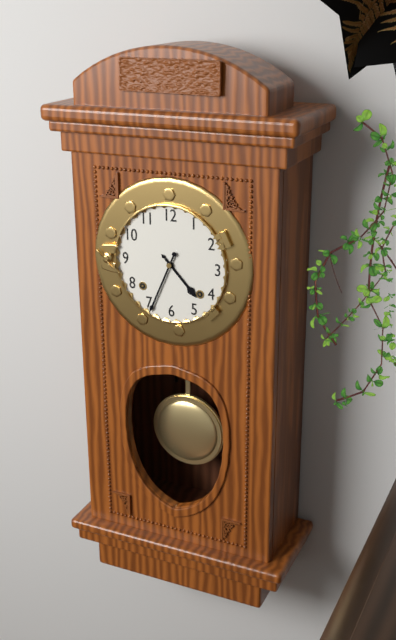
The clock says 4.34
